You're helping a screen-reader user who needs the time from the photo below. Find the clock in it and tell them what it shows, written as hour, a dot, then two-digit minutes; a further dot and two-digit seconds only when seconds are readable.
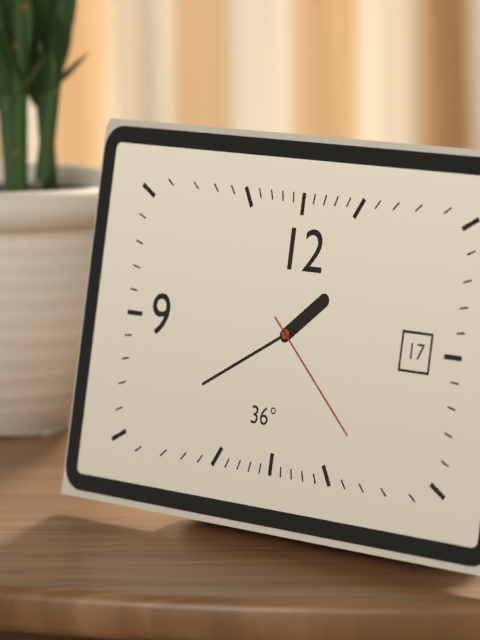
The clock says 1.40.22
